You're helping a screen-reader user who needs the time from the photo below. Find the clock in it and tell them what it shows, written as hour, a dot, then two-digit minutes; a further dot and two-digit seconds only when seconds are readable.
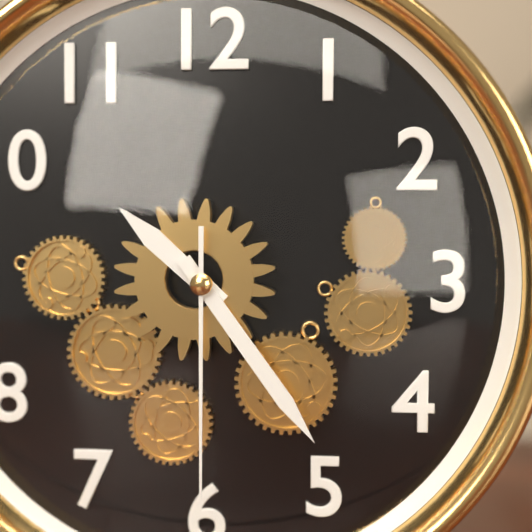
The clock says 10.24.30
